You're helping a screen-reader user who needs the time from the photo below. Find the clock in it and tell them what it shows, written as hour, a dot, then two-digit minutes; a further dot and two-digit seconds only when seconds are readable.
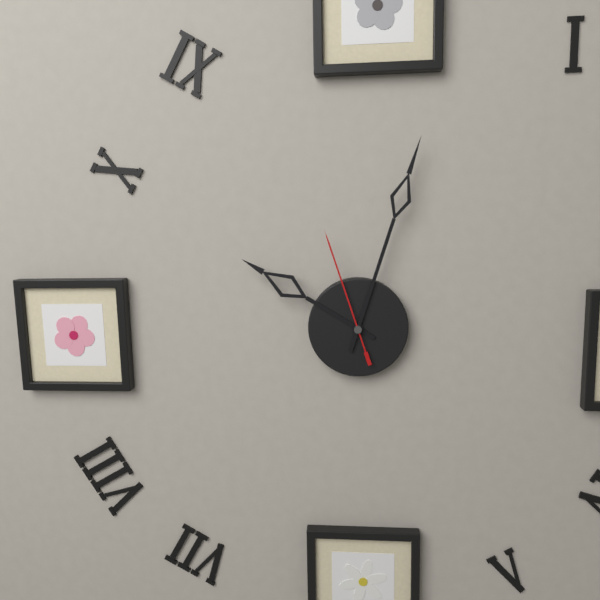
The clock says 10.03.57
